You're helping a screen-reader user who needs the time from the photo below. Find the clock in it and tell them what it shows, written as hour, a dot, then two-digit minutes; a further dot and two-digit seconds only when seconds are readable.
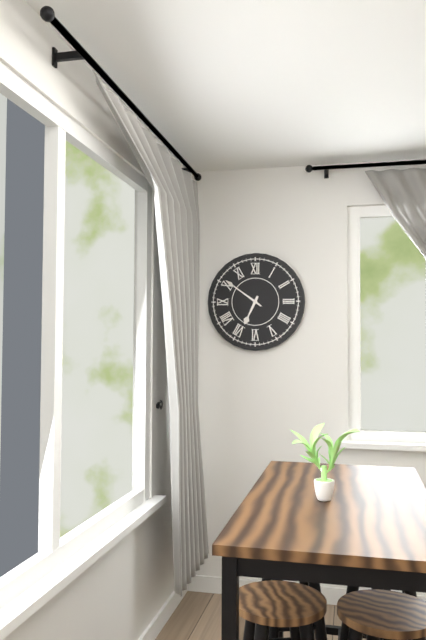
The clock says 6.51
